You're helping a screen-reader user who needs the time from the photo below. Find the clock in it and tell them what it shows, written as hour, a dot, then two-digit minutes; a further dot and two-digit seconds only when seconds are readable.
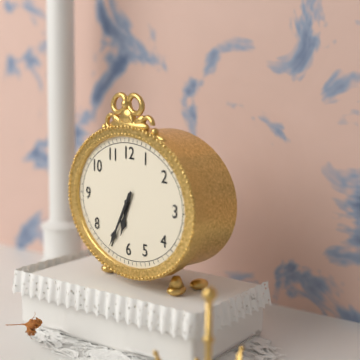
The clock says 6.35
